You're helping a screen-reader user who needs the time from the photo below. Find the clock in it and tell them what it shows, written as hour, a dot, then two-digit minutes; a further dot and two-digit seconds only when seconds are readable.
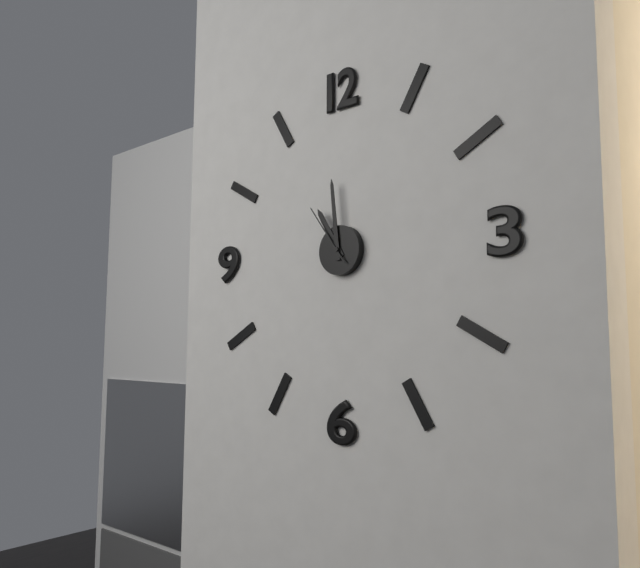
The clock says 10.59.54
